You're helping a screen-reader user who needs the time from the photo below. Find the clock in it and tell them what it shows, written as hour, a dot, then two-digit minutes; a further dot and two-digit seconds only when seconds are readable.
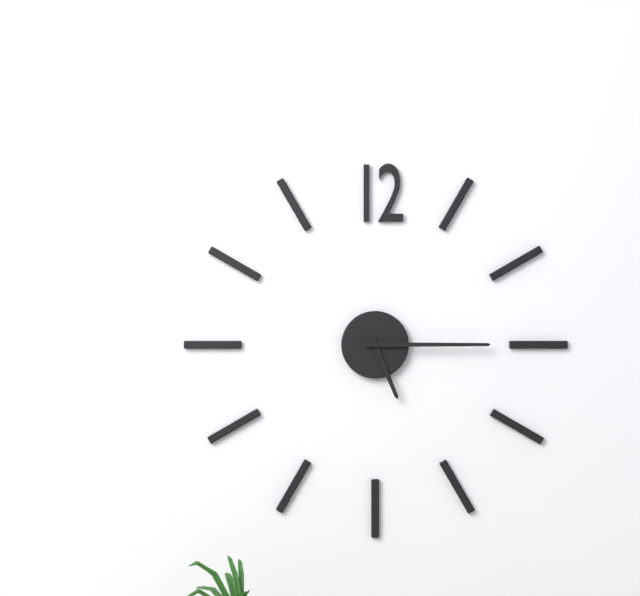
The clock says 5.15
